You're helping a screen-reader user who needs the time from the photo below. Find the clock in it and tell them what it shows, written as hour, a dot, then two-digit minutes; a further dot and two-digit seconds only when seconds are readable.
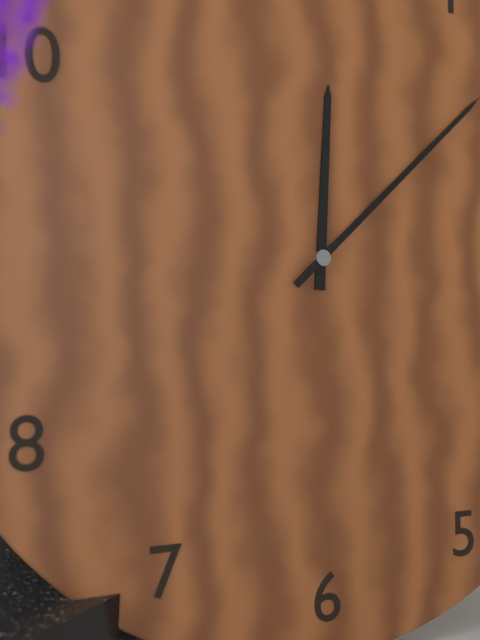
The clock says 12.08
